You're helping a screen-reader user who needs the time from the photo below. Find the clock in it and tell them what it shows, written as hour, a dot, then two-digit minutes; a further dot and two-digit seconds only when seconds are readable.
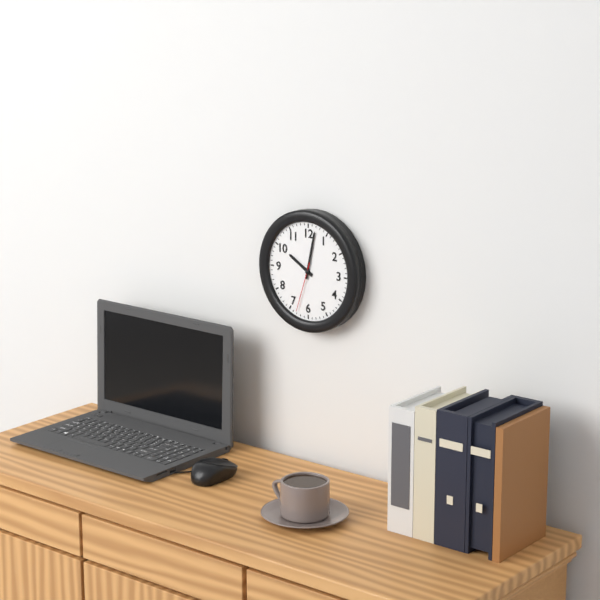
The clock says 10.02.33
